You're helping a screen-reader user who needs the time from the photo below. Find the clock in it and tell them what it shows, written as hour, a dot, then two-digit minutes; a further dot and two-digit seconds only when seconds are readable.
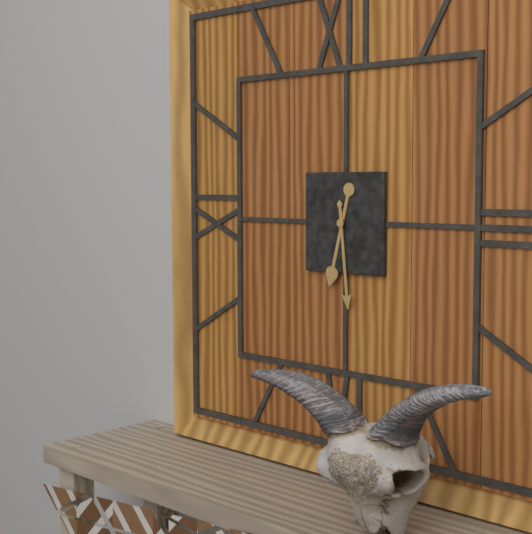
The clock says 6.29
